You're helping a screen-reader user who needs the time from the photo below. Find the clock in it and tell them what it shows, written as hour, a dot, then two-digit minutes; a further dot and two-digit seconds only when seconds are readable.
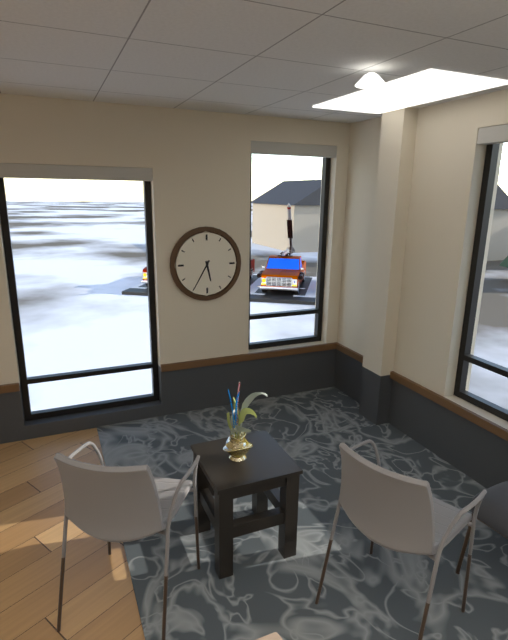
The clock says 5.35
